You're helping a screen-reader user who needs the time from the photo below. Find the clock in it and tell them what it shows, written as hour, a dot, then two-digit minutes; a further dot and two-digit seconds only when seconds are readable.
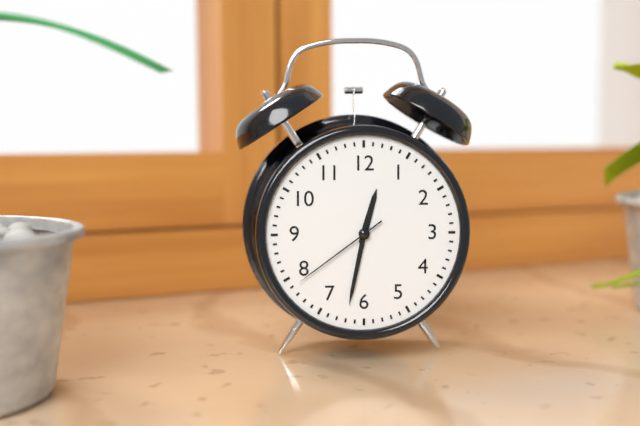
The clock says 12.32.39
